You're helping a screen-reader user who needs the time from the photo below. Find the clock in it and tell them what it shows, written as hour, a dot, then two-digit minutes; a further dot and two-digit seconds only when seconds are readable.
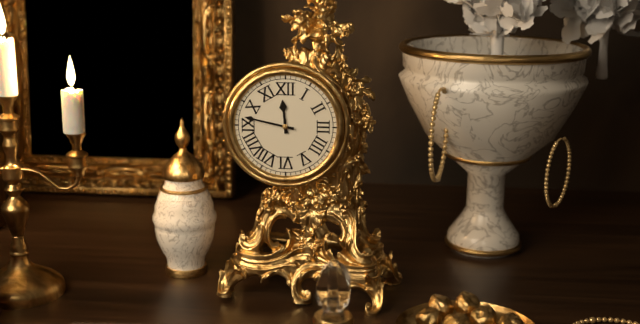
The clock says 11.47
